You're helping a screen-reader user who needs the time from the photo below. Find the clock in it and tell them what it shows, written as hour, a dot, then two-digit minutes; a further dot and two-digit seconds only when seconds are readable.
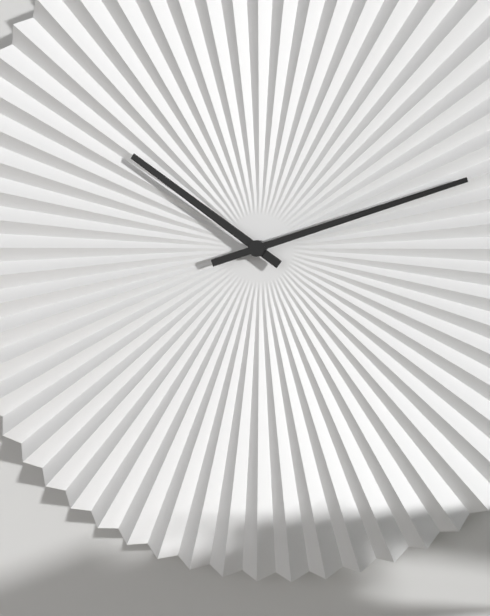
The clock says 10.12
